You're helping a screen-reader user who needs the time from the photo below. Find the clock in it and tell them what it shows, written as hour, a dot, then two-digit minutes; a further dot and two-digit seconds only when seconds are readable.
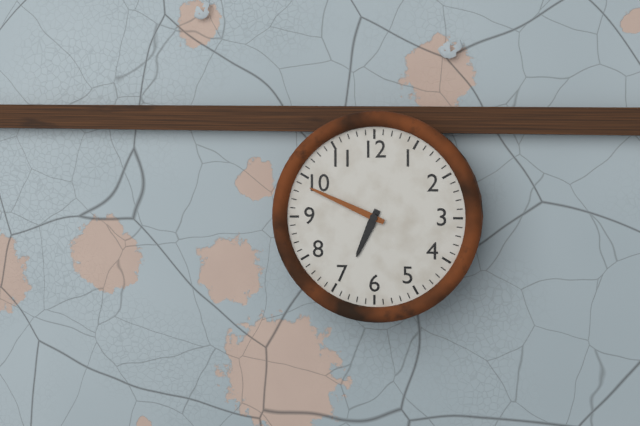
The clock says 6.49
